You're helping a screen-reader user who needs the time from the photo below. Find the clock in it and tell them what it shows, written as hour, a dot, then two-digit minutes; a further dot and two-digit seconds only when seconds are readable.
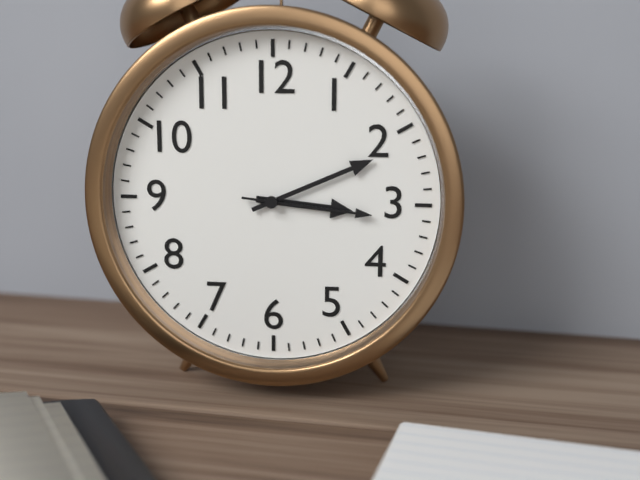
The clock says 3.11.16
